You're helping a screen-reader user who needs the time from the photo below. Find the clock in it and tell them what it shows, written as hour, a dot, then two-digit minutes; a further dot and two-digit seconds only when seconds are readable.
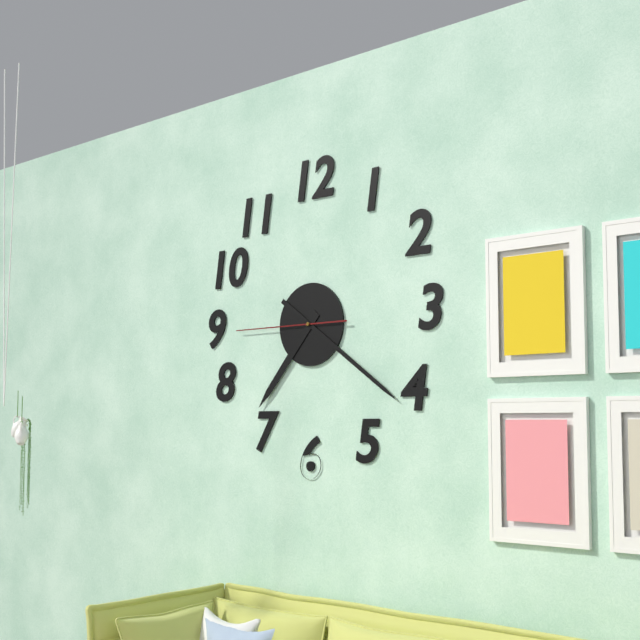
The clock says 7.21.45
